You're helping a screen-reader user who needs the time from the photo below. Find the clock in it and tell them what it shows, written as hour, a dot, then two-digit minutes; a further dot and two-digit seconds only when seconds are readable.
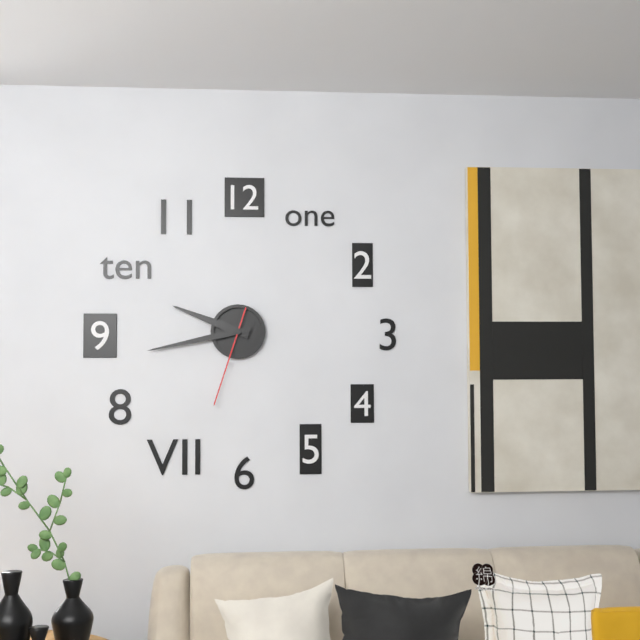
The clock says 9.43.33
